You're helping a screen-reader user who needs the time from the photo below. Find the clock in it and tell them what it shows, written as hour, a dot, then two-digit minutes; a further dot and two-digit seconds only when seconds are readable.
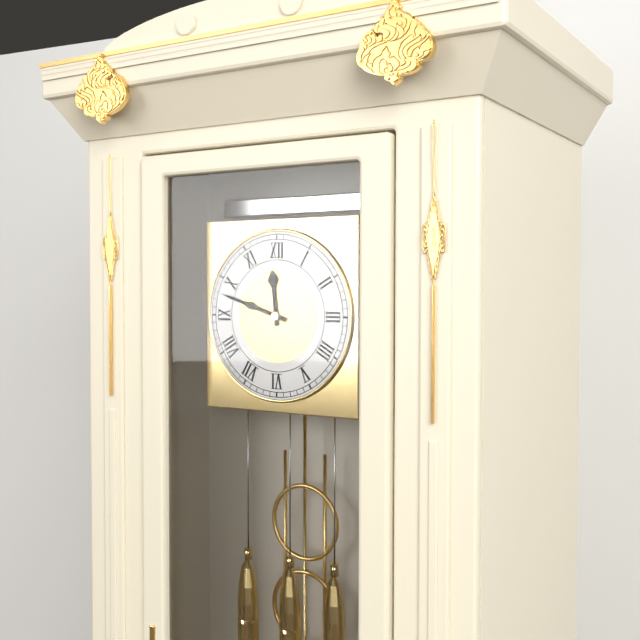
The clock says 11.48
